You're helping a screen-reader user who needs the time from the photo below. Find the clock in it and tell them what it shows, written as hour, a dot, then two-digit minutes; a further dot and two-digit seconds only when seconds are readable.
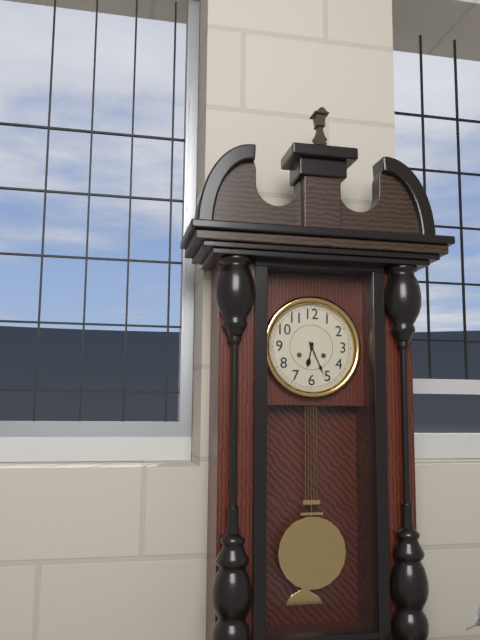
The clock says 6.26
